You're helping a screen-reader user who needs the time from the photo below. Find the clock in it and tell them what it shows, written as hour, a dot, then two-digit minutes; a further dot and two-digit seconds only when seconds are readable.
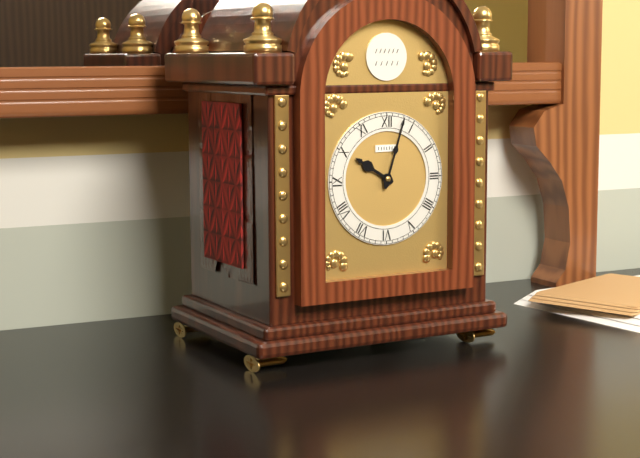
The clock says 10.03
